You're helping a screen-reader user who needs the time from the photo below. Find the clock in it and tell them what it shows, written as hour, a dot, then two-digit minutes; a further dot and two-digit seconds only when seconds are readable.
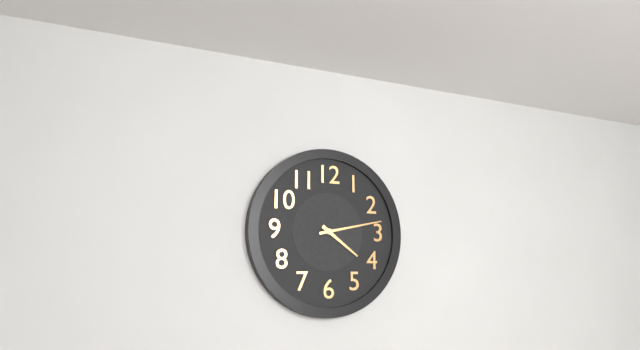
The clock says 4.13
